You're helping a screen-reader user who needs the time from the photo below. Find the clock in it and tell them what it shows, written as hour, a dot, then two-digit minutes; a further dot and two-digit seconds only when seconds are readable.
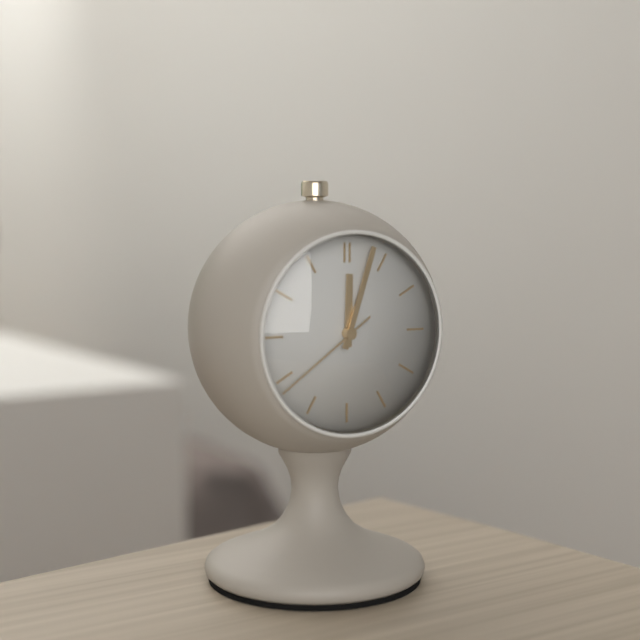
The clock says 12.03.39
